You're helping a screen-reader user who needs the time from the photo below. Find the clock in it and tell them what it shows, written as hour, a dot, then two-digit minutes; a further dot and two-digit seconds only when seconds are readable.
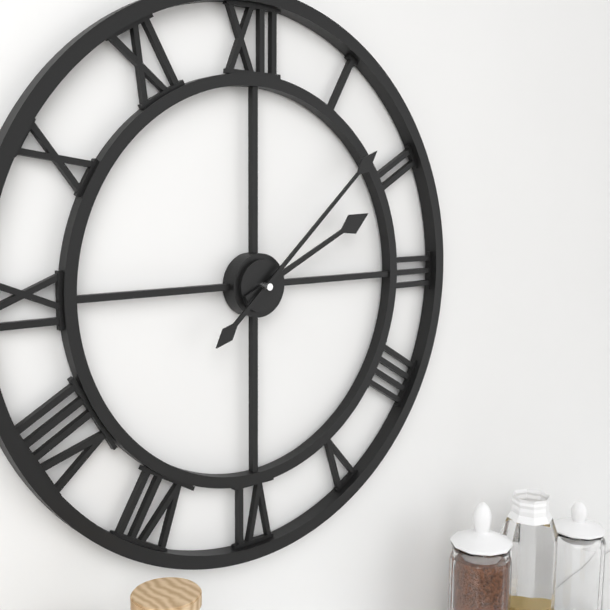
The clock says 2.08
